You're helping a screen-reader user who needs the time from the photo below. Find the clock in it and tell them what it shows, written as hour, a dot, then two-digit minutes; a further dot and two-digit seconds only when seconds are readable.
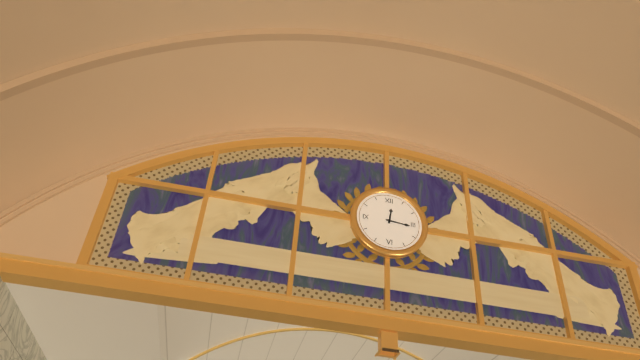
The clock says 12.16
